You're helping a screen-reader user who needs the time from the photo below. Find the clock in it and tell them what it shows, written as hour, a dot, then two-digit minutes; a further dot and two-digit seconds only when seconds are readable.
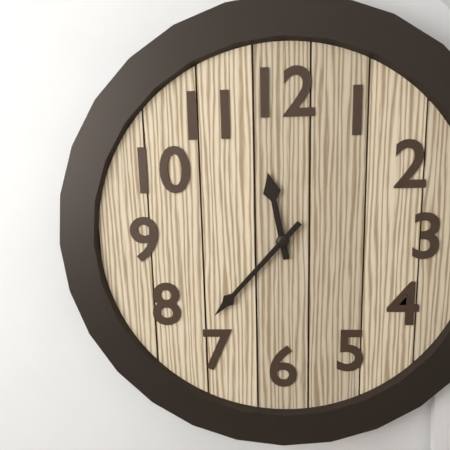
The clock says 11.37
